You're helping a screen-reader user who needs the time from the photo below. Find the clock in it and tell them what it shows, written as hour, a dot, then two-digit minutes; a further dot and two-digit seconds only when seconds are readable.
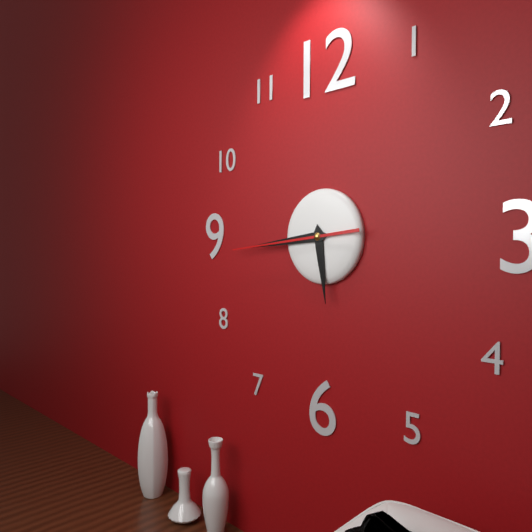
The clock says 5.44.44
